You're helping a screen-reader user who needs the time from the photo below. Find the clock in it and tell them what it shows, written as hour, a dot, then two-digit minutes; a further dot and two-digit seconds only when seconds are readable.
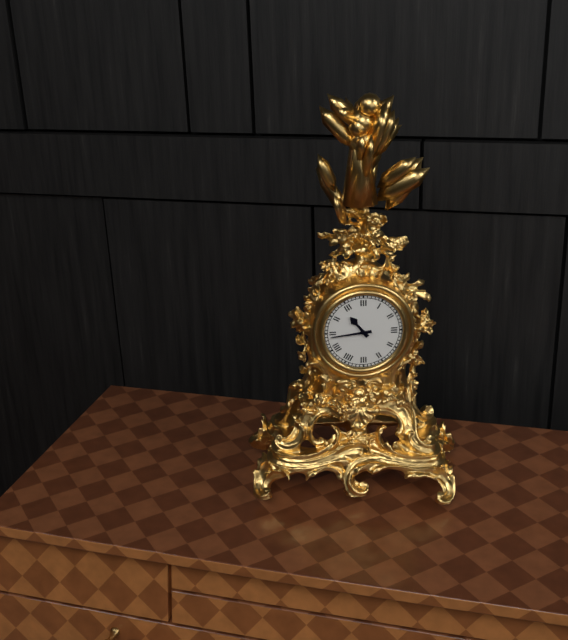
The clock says 10.44
